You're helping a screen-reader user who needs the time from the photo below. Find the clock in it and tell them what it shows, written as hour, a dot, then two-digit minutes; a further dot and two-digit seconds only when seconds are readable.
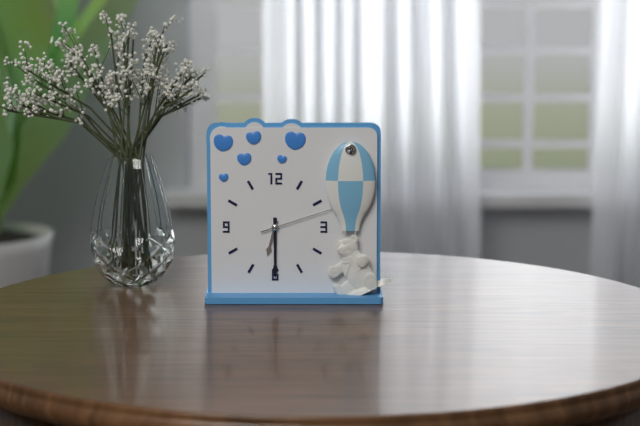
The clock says 6.30.12
